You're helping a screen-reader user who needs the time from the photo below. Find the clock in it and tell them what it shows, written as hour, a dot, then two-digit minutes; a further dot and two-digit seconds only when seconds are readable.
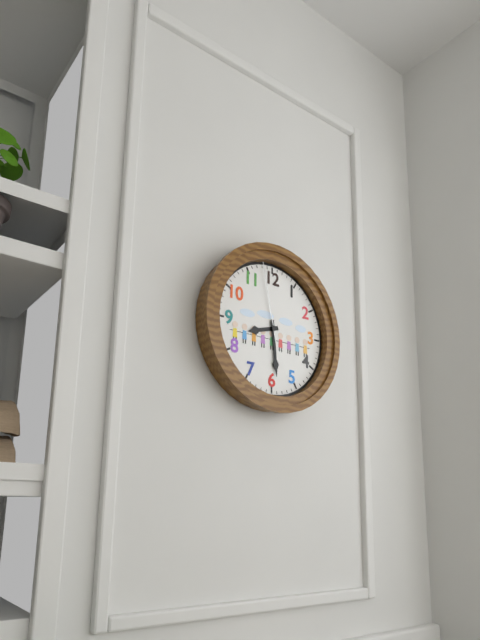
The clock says 8.29.58
